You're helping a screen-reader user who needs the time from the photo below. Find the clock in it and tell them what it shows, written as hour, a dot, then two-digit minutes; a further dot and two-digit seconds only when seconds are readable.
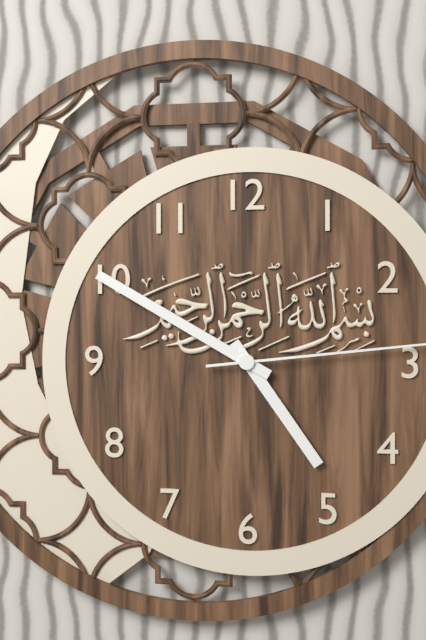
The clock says 4.50
